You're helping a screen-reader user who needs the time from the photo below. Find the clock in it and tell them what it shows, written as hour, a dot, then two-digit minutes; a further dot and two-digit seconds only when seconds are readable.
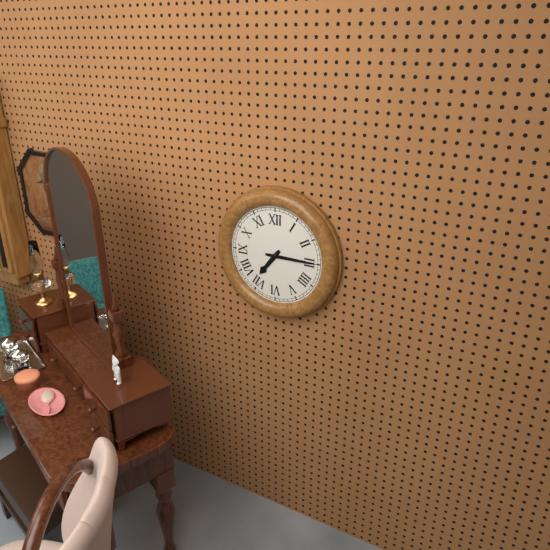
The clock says 7.15
